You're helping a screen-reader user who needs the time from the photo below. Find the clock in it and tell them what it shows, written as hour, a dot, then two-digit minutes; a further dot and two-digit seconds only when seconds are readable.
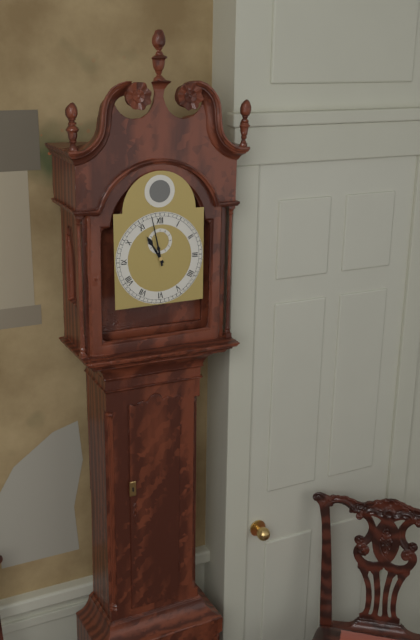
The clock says 10.58
